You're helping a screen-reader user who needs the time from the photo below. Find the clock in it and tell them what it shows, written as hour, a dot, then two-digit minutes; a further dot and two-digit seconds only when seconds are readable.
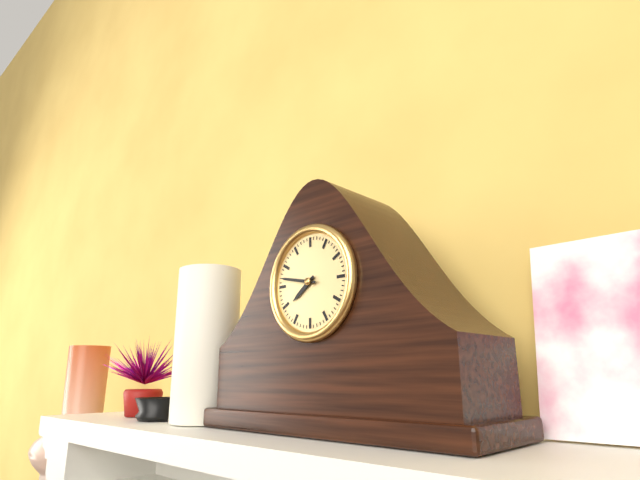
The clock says 7.47
